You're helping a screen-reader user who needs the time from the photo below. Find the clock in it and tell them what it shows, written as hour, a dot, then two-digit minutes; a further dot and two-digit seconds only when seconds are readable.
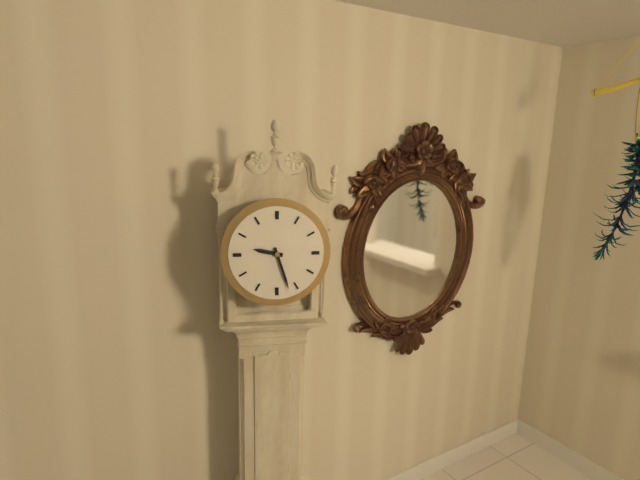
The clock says 9.27
